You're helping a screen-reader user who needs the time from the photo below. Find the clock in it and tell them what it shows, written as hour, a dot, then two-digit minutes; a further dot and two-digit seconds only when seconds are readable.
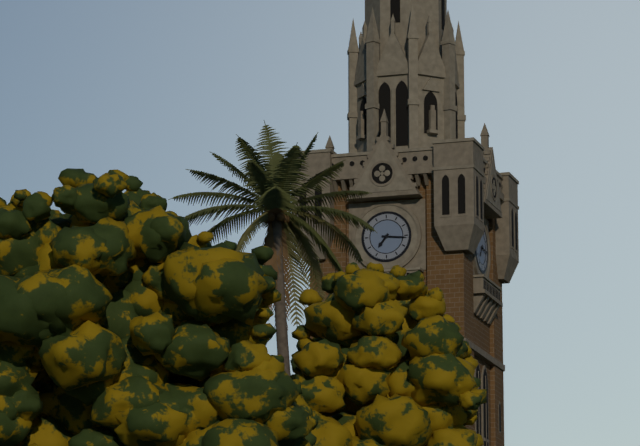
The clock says 7.16
